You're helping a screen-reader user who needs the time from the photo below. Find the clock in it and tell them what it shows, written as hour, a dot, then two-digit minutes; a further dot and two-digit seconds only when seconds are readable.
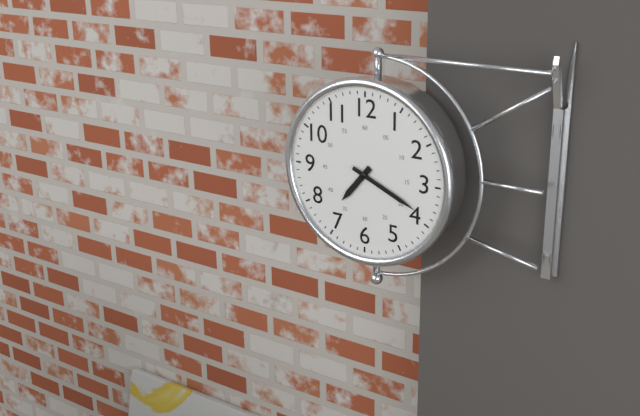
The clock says 7.19
